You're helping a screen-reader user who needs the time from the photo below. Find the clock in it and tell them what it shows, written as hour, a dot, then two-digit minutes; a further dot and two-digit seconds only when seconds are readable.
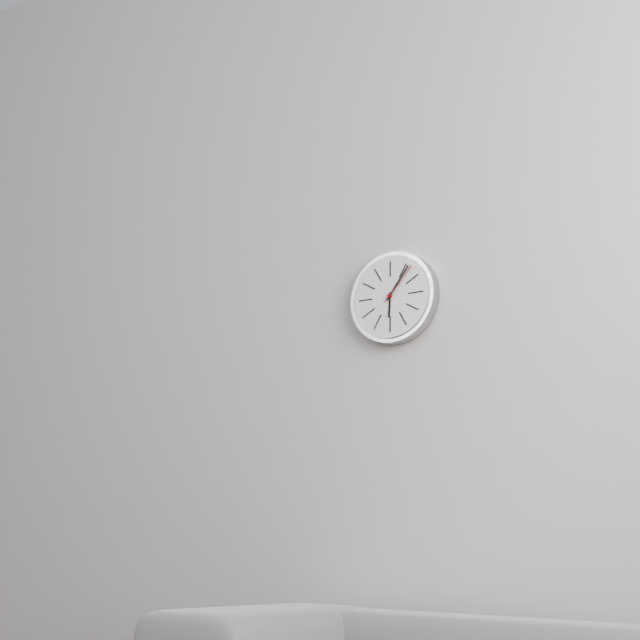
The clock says 6.06
